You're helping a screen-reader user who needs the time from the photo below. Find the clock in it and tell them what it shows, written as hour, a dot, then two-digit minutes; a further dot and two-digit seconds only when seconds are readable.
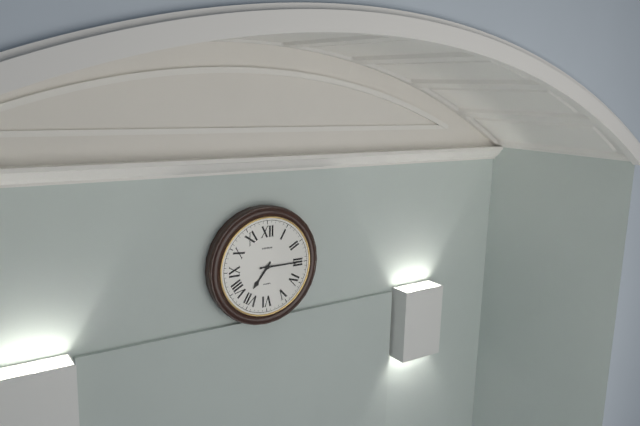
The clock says 7.15
